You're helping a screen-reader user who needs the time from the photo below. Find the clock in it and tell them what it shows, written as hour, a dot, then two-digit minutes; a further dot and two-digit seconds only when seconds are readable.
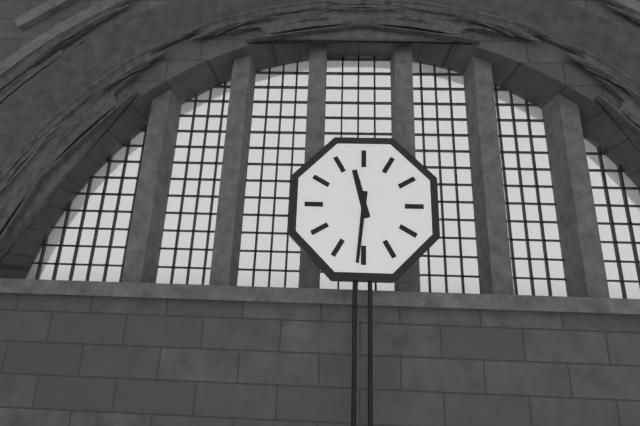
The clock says 11.31
